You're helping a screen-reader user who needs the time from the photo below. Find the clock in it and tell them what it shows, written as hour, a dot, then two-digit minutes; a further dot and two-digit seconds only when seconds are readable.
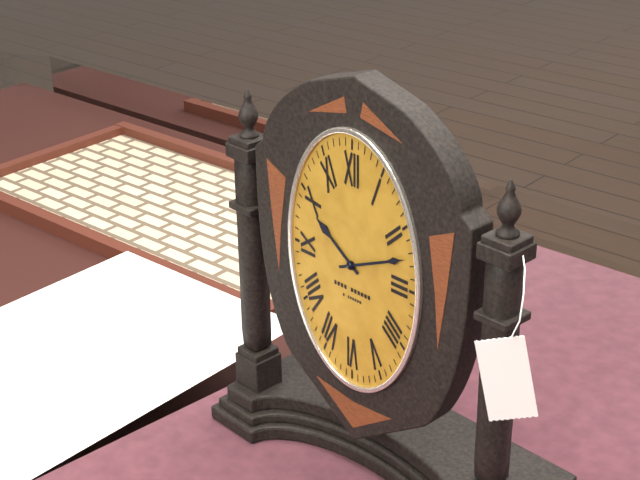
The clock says 10.11
